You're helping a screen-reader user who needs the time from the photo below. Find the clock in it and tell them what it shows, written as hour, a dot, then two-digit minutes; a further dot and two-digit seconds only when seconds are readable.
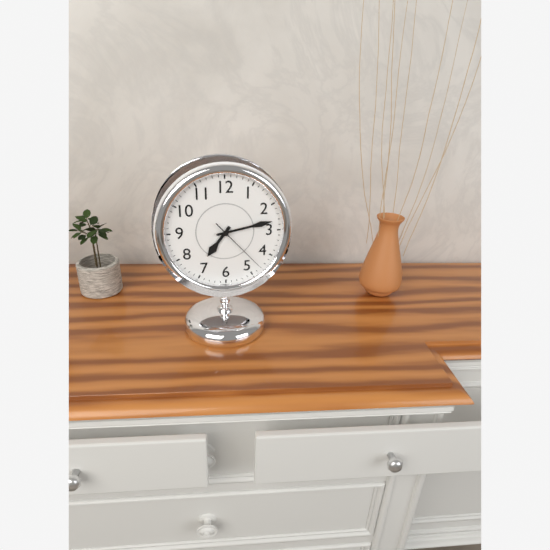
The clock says 7.13.23
